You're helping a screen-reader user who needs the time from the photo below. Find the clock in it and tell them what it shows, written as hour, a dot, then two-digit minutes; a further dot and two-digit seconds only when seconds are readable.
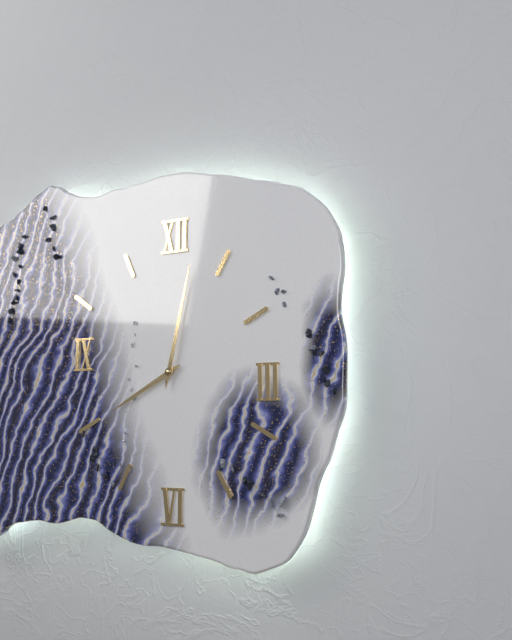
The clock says 8.02
